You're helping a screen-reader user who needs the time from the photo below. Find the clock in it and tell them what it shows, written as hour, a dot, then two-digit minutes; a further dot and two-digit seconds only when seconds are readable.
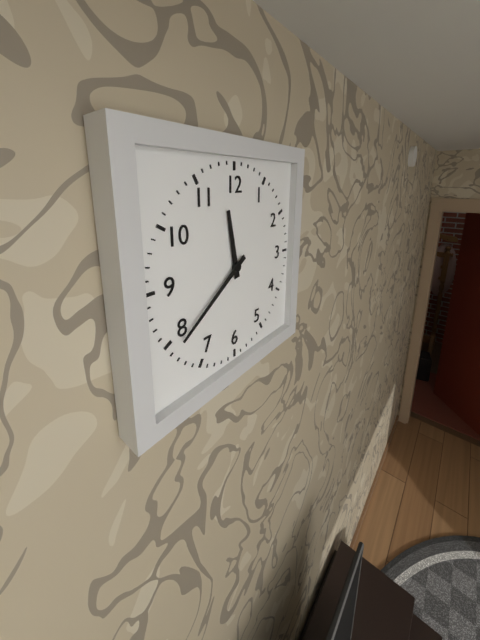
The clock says 11.39
